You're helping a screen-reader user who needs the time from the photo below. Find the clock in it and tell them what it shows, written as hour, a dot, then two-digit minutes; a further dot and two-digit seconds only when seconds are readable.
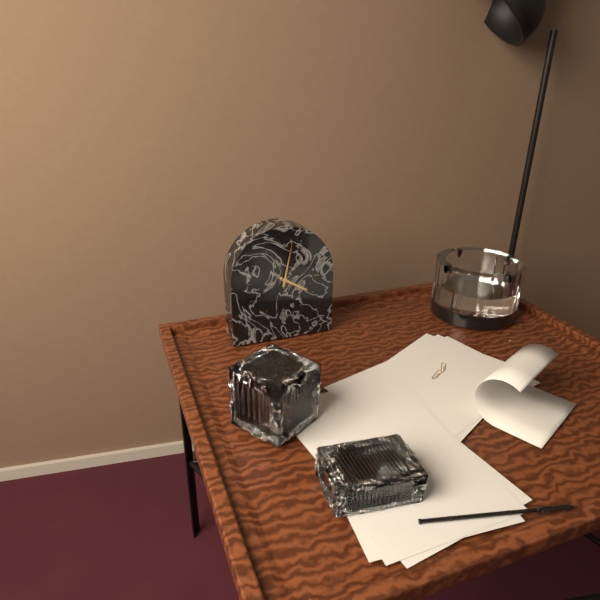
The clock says 4.02
